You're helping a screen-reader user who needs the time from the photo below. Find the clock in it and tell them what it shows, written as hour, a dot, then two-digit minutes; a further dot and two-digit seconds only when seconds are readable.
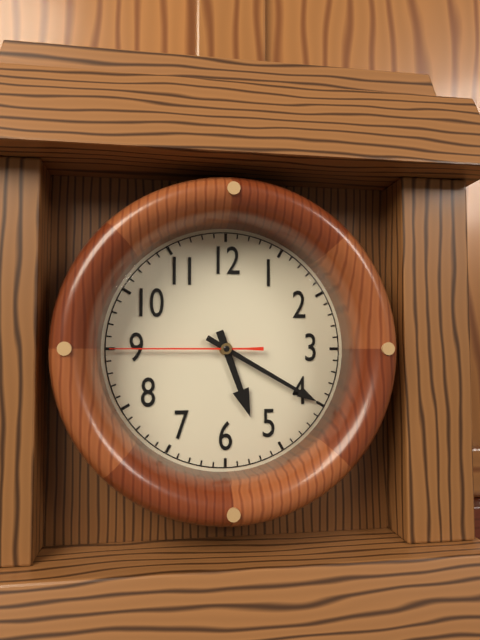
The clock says 5.20.45
